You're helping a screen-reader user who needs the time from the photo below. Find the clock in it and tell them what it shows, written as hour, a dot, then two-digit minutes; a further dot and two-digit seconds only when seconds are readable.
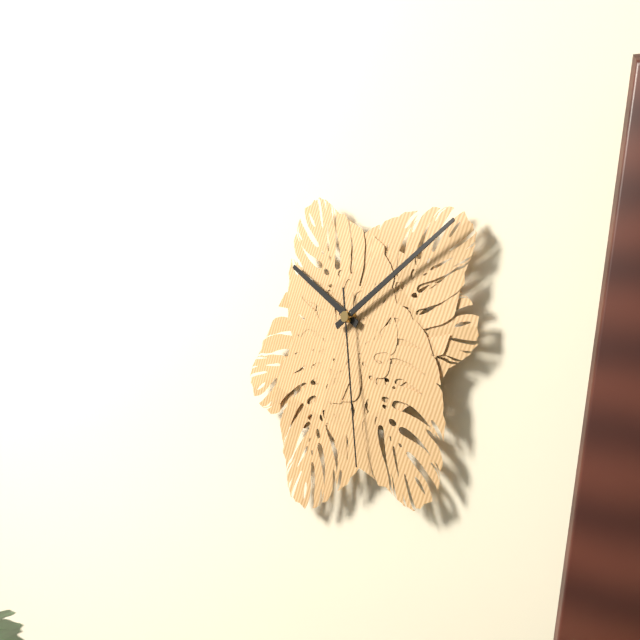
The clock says 10.10.29
